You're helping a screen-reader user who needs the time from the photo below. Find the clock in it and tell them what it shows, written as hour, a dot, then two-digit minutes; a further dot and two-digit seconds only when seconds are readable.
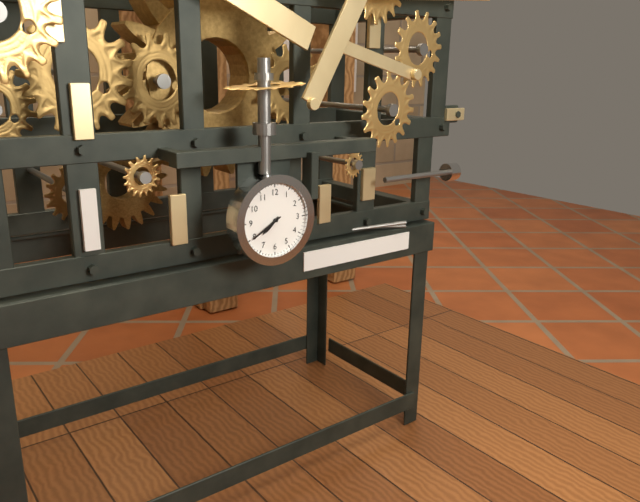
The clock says 7.40
